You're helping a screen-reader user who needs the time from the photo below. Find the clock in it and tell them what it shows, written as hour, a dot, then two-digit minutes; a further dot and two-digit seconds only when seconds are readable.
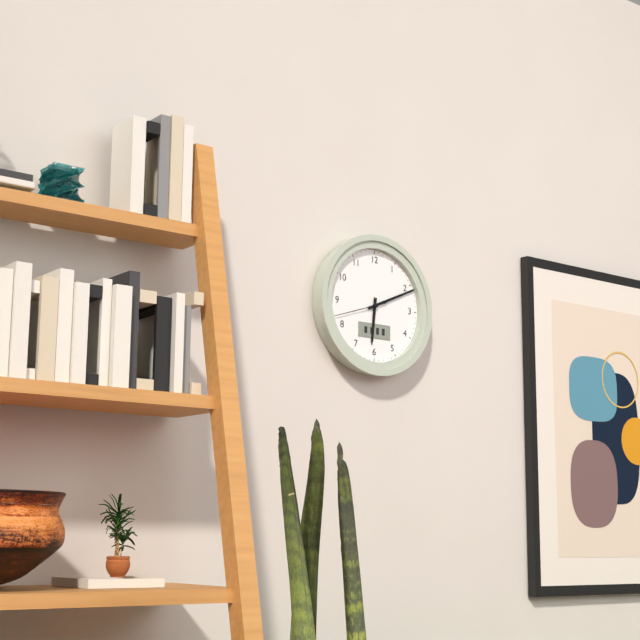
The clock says 6.11.42
